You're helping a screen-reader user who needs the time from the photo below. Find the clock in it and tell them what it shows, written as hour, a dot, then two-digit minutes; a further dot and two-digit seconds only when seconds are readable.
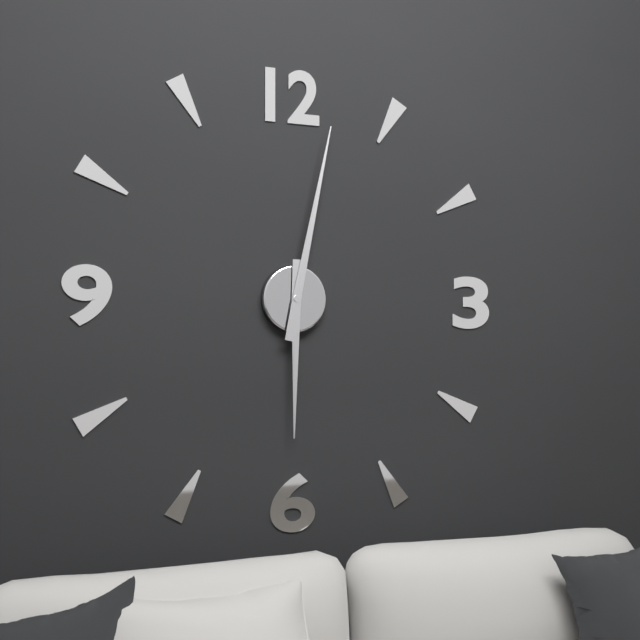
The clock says 6.02
